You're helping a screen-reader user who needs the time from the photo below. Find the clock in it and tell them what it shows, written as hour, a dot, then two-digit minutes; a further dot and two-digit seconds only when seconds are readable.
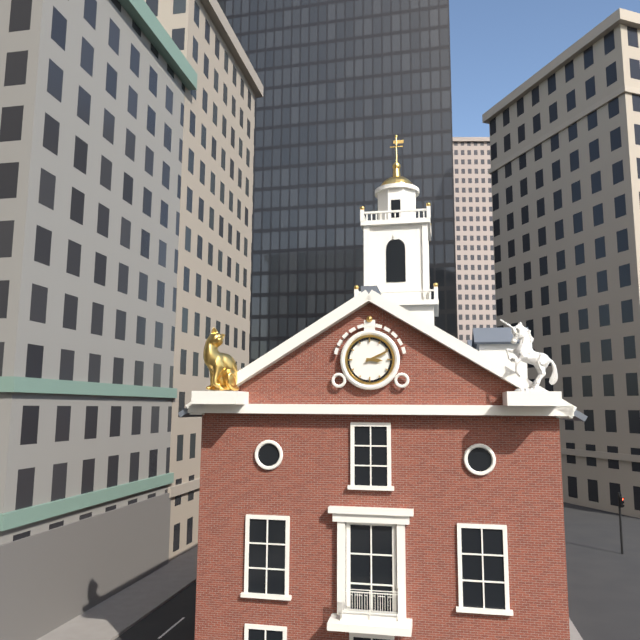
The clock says 3.11
